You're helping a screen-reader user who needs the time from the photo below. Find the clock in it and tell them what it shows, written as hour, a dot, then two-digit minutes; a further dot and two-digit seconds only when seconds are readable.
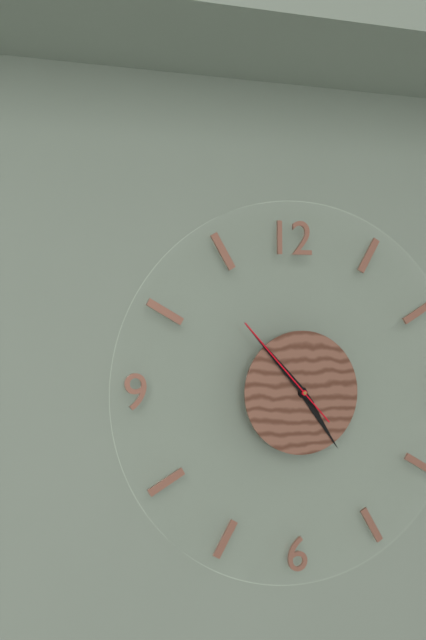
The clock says 4.53.53
